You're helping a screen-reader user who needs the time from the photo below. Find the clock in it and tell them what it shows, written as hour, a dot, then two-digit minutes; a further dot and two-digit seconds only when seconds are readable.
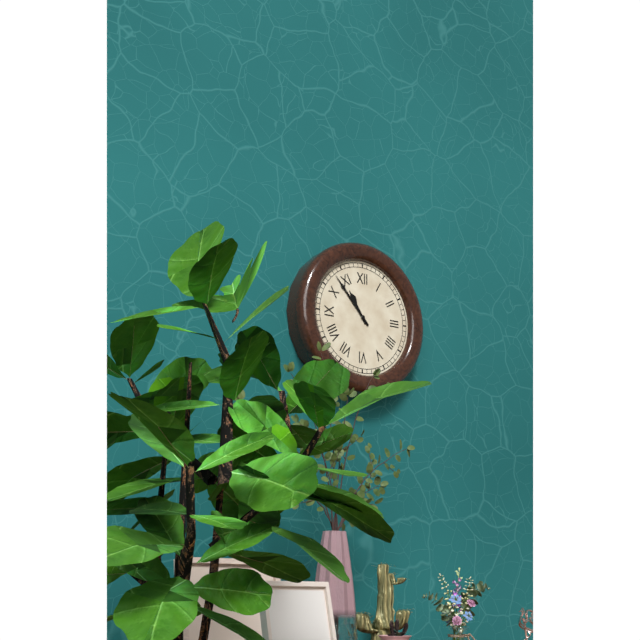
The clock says 10.53
